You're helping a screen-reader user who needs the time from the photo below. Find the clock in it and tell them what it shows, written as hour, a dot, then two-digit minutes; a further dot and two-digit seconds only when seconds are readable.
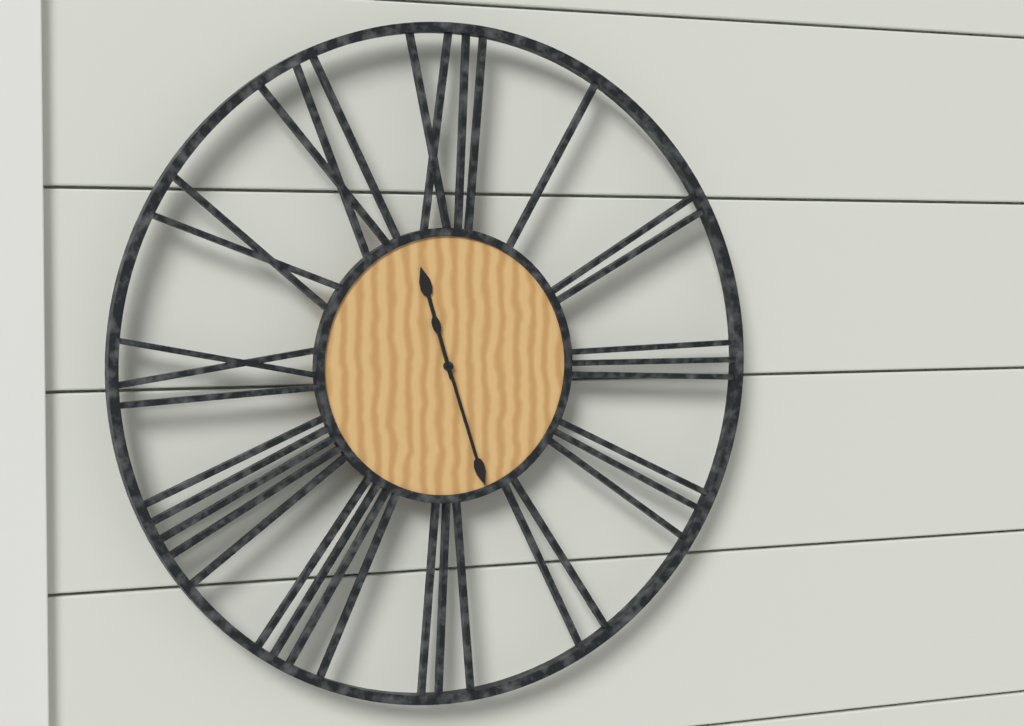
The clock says 11.27
